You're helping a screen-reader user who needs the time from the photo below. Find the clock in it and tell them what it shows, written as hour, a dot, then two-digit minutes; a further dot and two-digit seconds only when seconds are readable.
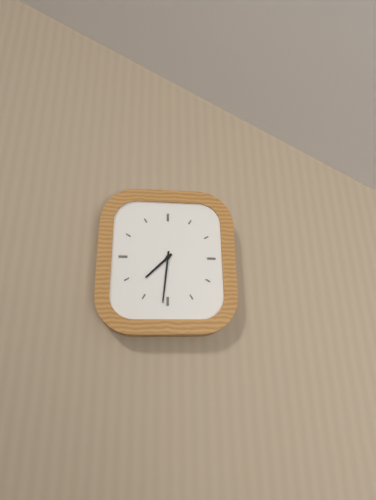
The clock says 7.31
